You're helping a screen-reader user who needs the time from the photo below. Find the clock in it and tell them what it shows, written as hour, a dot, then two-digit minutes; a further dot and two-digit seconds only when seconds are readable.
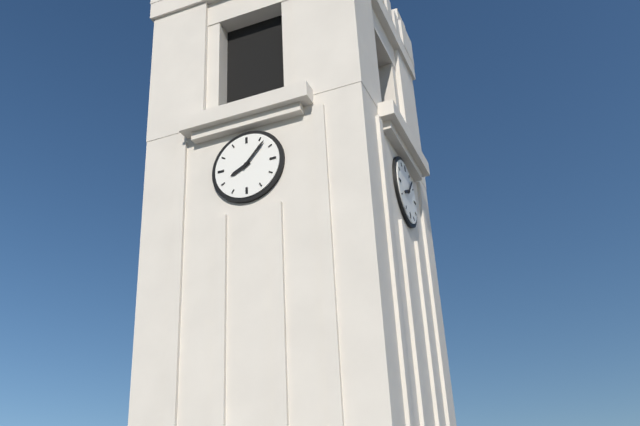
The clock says 8.07
